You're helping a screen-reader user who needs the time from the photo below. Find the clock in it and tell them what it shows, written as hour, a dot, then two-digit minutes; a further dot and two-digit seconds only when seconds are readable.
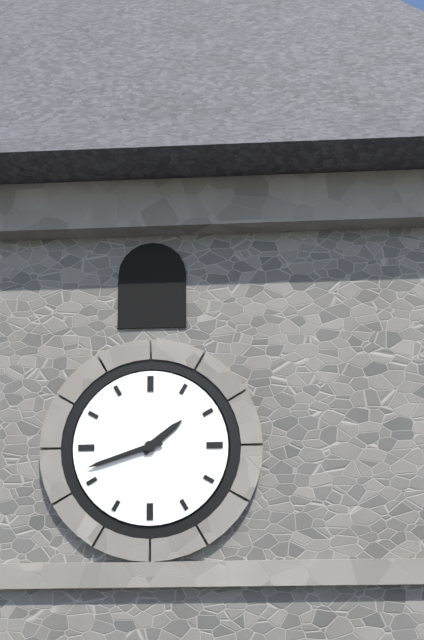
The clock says 1.42
